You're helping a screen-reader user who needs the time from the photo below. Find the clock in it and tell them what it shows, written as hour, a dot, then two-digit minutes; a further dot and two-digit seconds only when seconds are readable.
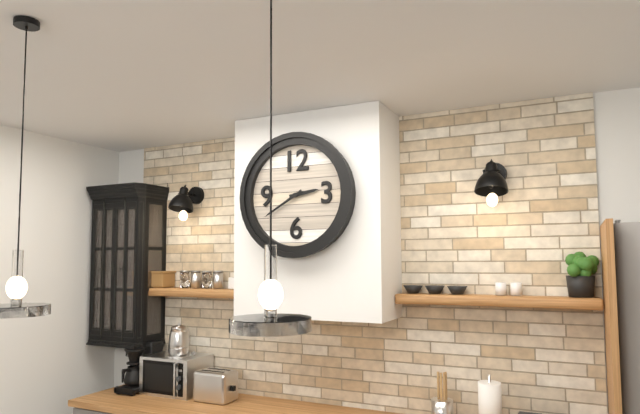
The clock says 2.40
